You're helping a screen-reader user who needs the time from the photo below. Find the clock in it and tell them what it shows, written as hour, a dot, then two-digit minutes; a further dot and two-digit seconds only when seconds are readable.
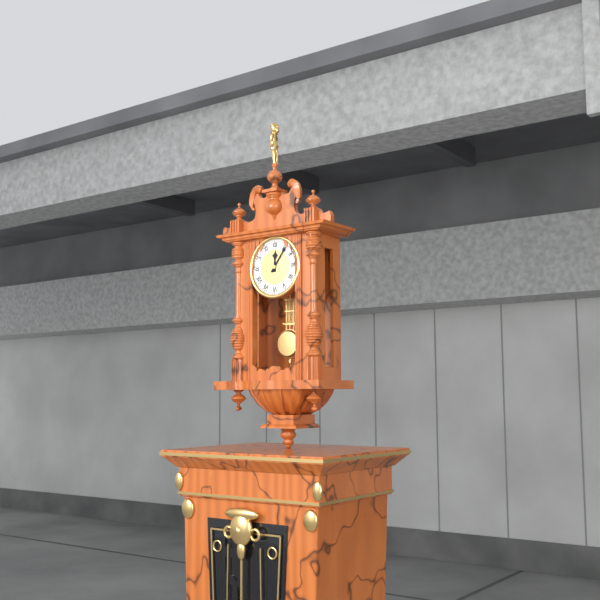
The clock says 12.06
